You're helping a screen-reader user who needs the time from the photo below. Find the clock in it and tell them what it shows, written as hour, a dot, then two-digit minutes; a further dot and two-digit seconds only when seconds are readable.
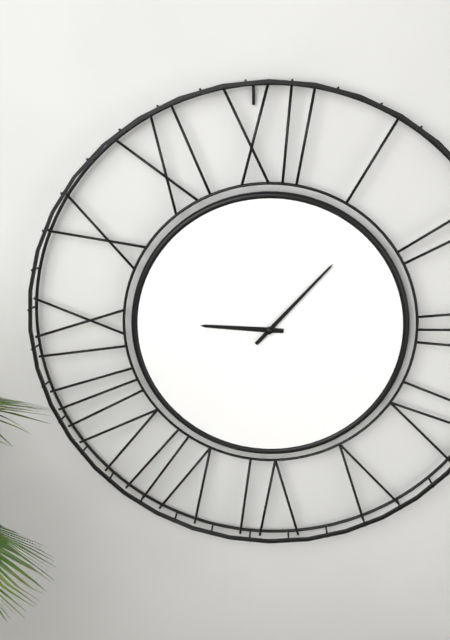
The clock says 9.07
